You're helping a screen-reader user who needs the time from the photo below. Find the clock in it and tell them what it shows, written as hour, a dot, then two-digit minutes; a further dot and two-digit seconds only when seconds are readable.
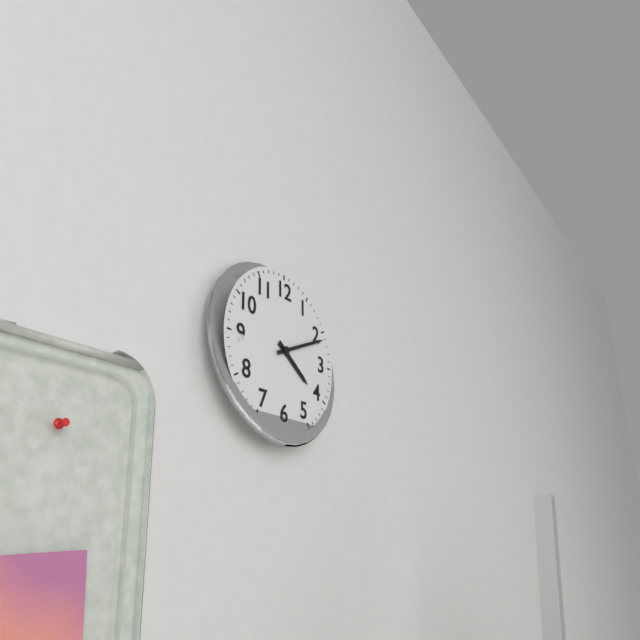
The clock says 4.11
